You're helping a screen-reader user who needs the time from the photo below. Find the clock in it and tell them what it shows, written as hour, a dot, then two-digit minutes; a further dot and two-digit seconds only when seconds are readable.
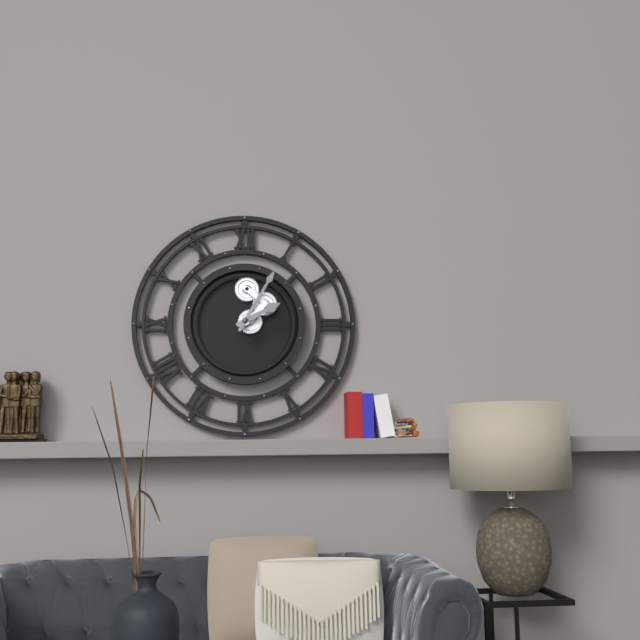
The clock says 2.05
